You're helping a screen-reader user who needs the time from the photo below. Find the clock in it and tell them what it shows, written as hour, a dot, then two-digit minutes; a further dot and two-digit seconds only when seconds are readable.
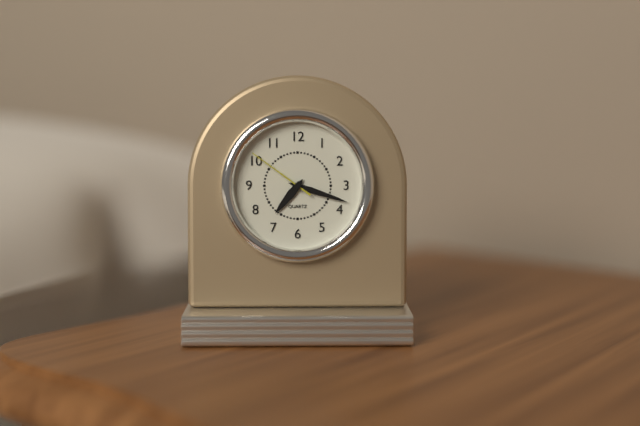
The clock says 7.18.51
